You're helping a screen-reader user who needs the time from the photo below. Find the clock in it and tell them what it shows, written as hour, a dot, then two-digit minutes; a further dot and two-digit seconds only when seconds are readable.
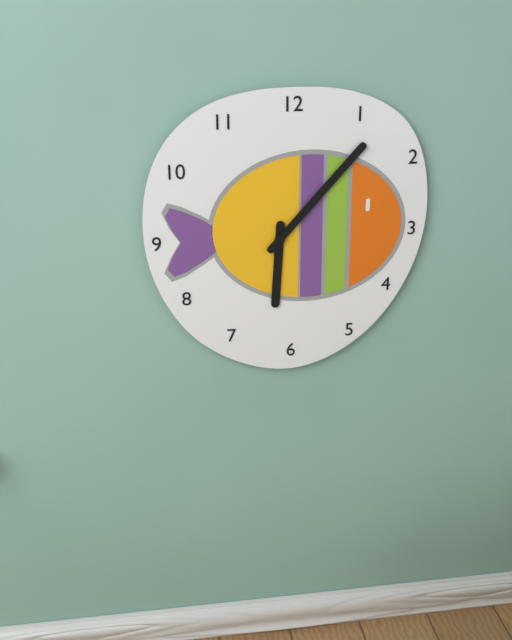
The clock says 6.07
